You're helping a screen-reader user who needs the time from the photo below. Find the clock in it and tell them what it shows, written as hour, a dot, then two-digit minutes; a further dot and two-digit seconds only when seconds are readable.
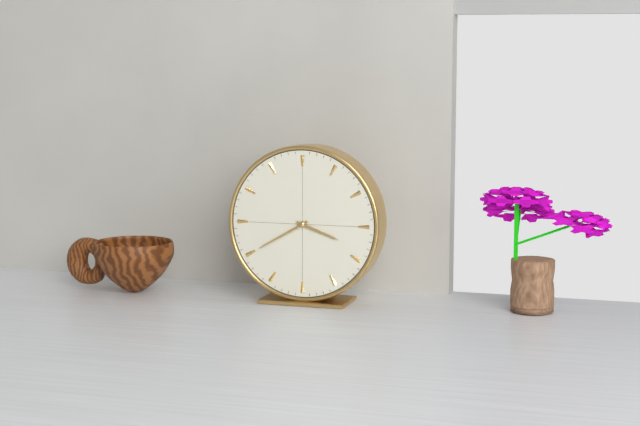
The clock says 3.40
